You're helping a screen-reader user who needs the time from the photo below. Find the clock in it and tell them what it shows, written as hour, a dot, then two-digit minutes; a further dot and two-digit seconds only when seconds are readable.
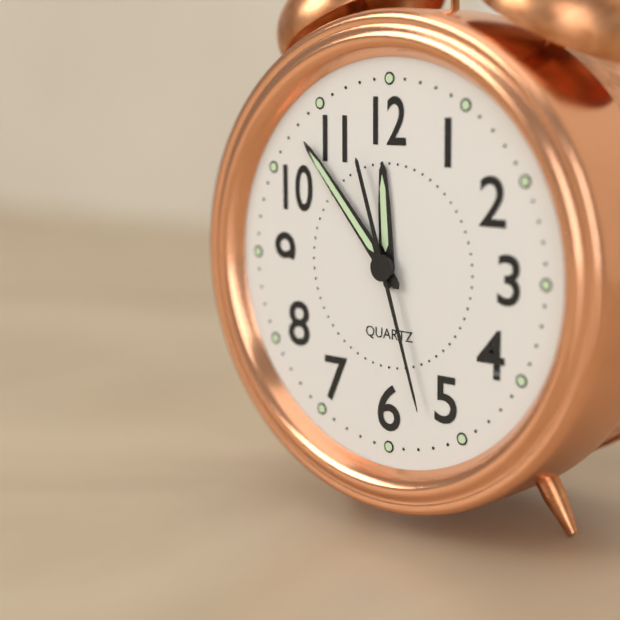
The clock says 11.53.27
